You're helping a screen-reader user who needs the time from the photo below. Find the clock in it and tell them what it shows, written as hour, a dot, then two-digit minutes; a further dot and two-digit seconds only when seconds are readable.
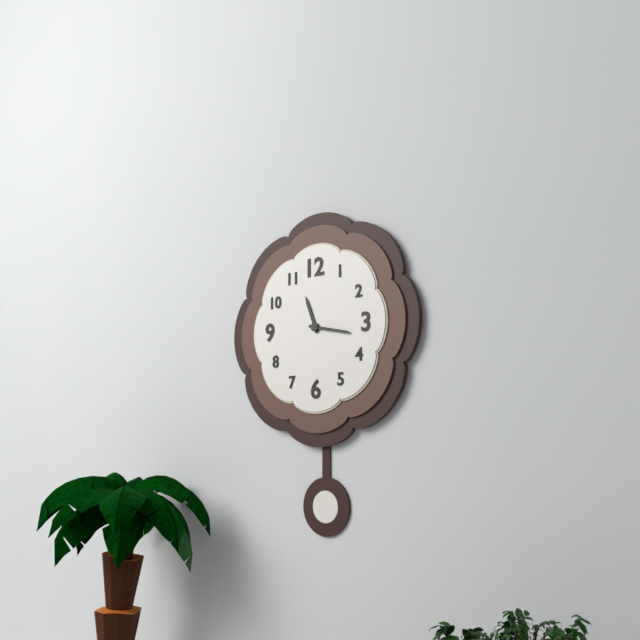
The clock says 11.17
